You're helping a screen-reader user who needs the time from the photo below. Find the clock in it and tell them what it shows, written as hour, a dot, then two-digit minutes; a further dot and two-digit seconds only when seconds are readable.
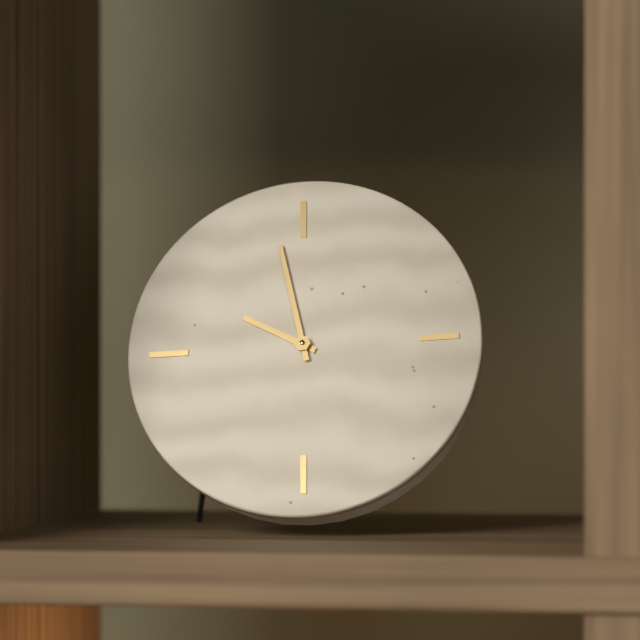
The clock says 9.58
